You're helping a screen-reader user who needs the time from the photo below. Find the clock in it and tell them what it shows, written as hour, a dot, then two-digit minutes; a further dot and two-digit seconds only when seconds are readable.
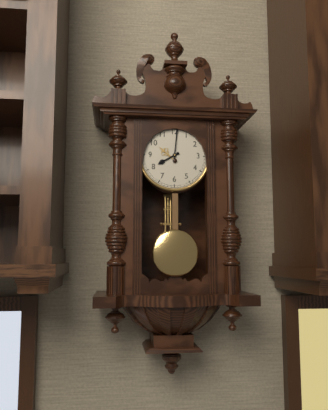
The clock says 8.01
